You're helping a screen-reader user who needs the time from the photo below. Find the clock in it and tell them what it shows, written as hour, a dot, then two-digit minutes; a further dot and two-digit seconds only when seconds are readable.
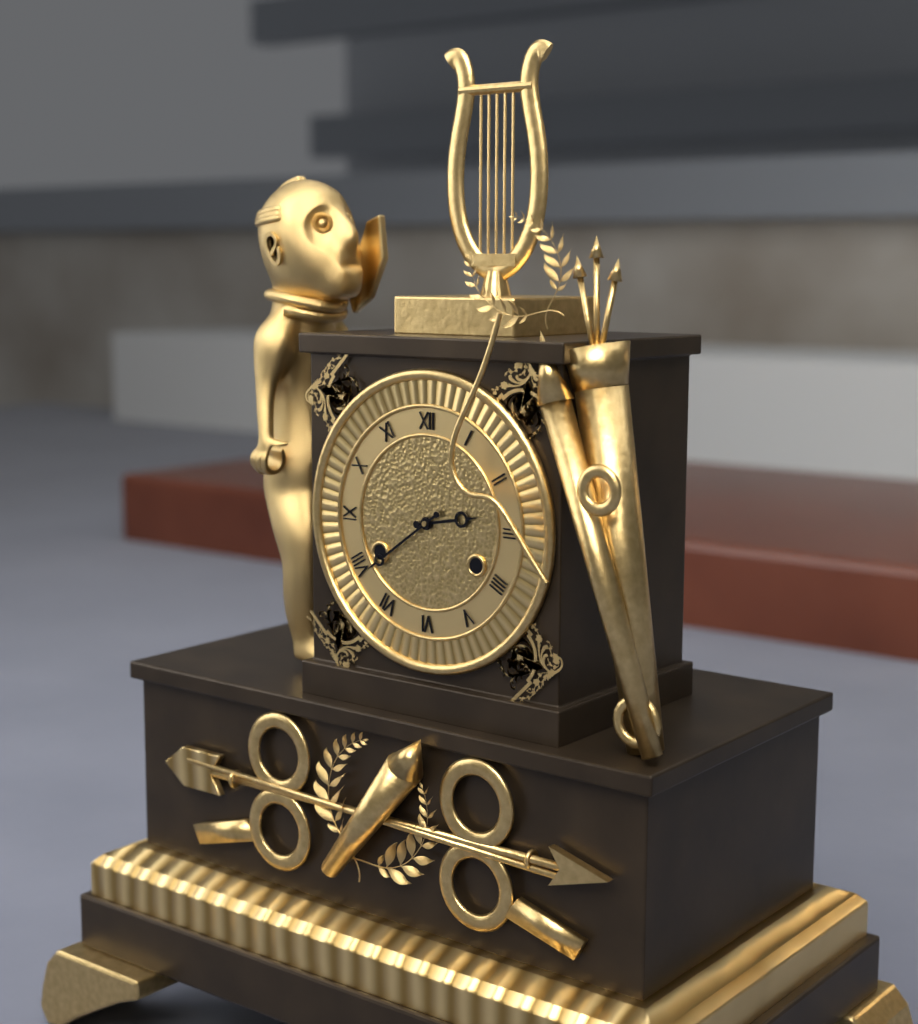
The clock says 2.39
